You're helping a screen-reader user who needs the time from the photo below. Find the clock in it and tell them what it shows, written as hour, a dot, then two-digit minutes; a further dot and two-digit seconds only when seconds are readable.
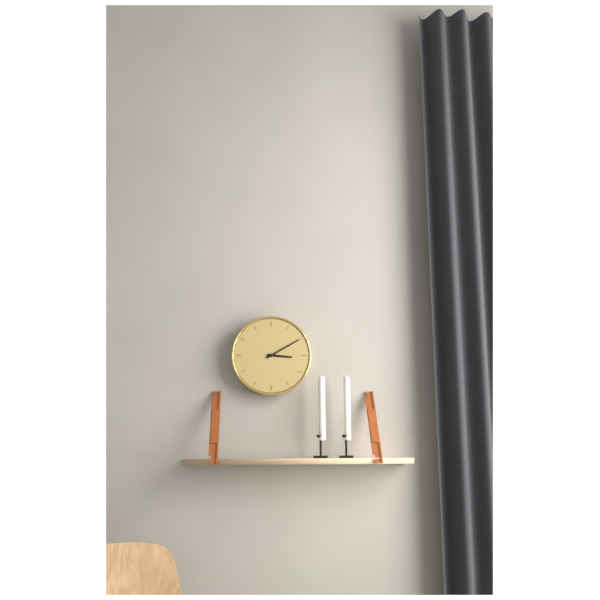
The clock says 3.10
